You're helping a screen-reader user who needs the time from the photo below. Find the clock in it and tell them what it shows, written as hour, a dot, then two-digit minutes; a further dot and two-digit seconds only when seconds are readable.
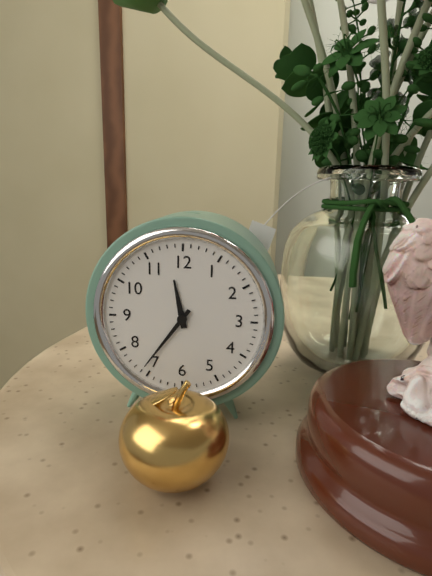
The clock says 11.36
